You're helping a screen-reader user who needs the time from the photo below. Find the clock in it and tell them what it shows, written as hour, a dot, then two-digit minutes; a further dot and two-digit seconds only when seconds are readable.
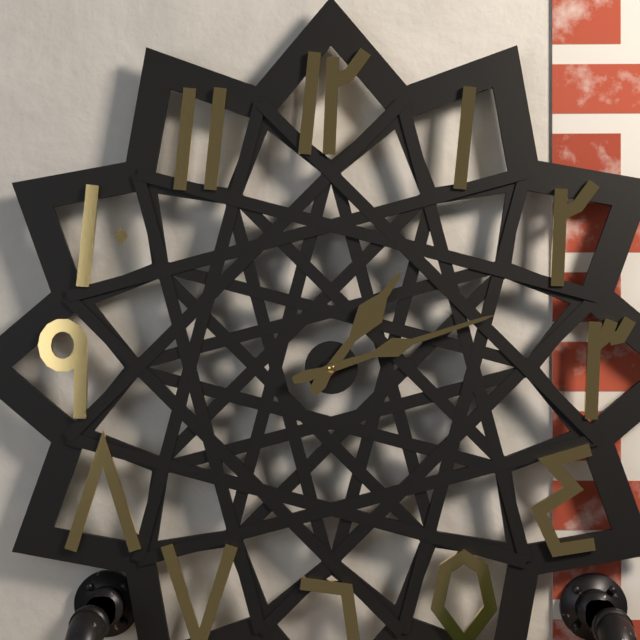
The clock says 1.12
